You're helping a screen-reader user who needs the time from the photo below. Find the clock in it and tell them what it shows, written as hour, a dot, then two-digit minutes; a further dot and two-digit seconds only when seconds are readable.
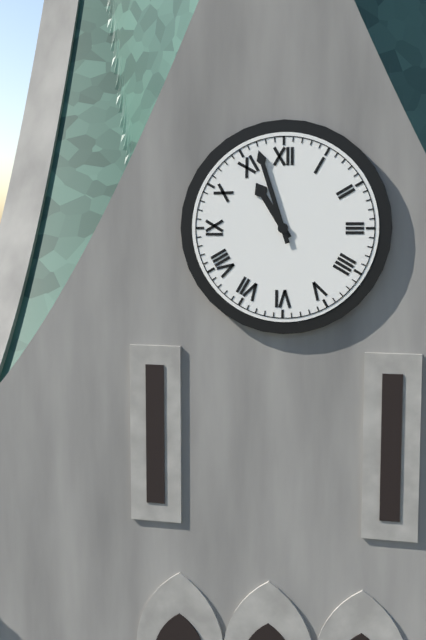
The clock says 10.57
